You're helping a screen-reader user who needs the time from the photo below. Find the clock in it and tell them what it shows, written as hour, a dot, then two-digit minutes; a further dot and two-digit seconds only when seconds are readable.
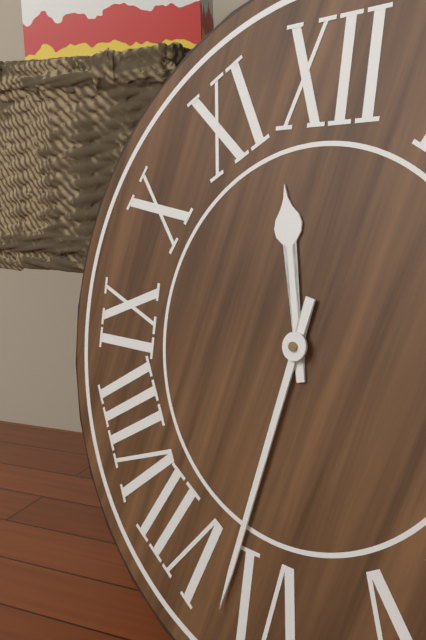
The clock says 11.32
